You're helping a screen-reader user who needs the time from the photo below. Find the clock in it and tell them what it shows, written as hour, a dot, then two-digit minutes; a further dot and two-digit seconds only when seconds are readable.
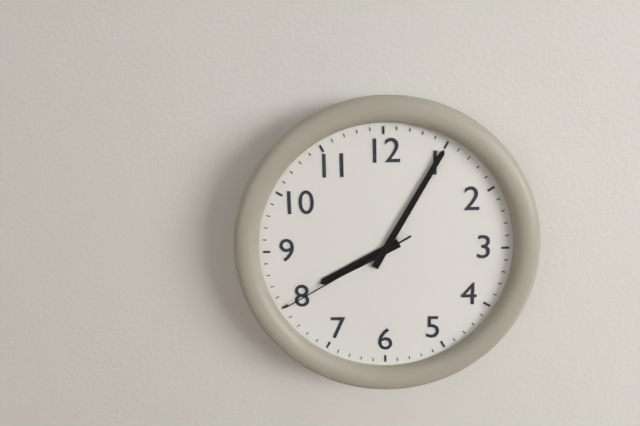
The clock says 8.05.40
